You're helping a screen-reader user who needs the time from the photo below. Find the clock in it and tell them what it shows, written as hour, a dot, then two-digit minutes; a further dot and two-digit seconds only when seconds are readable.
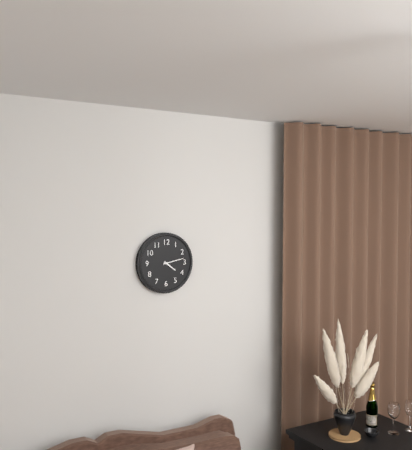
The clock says 4.13
